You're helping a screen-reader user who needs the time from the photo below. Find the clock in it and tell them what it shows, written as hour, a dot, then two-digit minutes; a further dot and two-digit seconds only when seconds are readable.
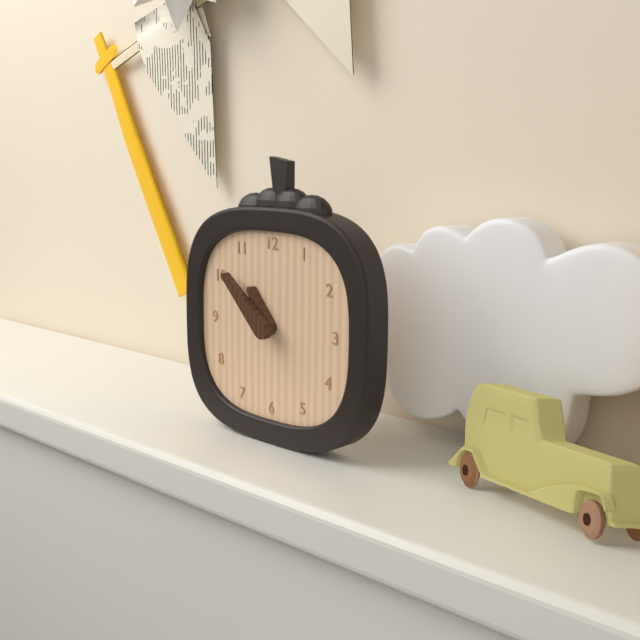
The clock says 10.52
